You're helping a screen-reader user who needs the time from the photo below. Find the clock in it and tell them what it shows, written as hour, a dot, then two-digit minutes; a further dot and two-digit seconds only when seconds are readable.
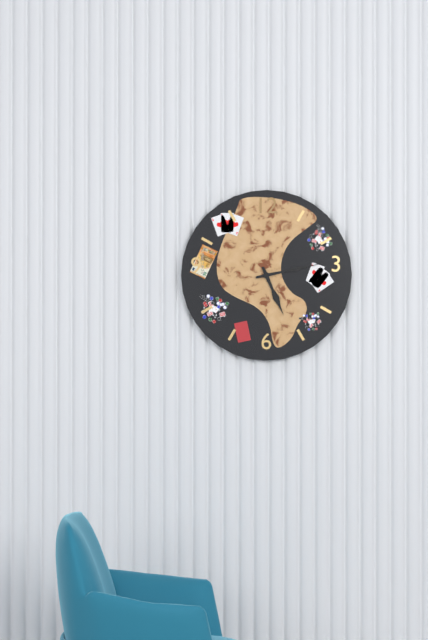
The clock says 5.13
